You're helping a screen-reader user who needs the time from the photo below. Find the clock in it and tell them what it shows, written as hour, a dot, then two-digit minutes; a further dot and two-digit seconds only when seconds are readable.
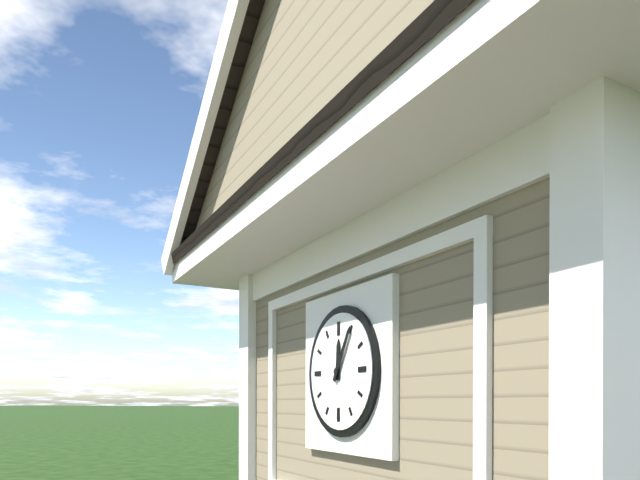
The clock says 12.05
